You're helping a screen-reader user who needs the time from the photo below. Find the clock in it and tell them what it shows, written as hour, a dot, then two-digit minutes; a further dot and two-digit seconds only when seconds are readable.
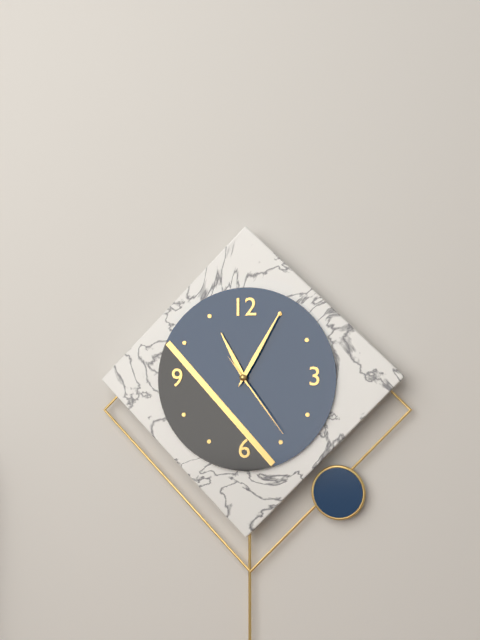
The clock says 11.05.24
